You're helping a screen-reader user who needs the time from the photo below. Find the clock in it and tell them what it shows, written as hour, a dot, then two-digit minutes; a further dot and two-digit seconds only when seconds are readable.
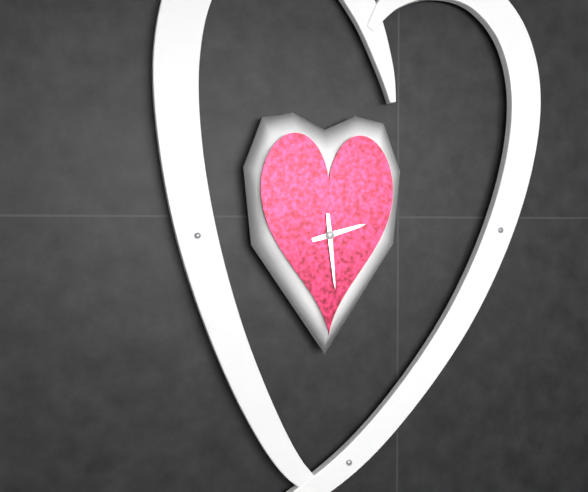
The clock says 2.29
